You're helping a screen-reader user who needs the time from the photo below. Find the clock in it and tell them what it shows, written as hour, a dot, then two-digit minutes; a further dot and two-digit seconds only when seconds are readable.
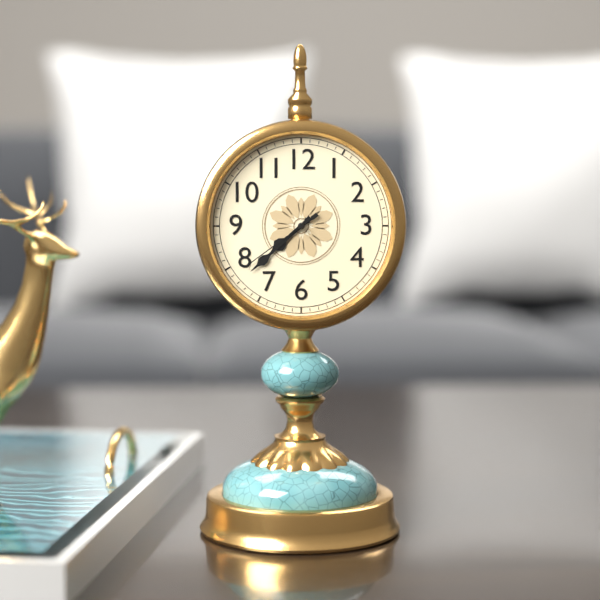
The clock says 7.38.39
